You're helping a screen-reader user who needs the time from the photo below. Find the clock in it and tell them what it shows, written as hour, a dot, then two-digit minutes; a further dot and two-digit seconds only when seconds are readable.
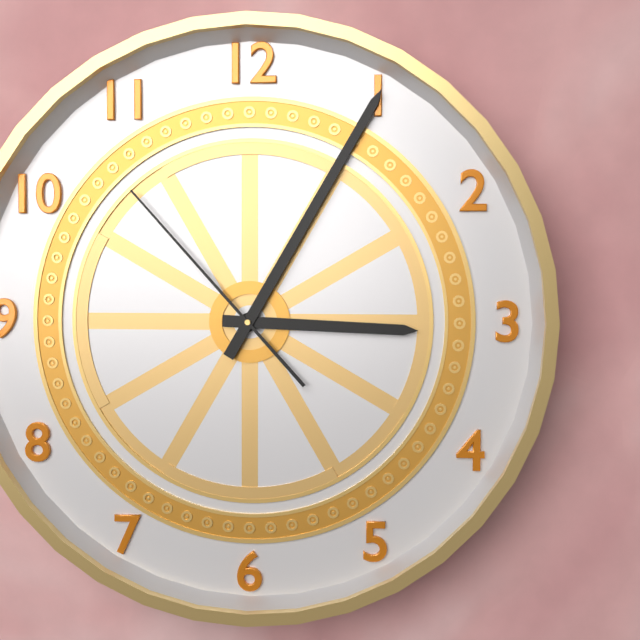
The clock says 3.05.53
